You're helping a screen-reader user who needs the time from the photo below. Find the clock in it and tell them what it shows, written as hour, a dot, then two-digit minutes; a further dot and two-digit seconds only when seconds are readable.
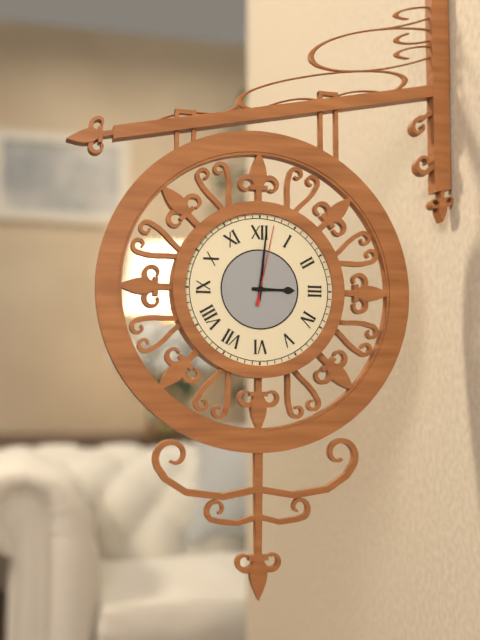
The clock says 3.01.02
